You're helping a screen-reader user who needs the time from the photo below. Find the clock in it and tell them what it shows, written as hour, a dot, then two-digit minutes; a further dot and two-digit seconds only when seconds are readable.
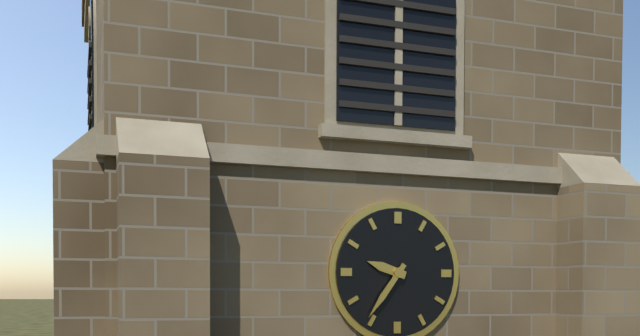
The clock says 9.36
